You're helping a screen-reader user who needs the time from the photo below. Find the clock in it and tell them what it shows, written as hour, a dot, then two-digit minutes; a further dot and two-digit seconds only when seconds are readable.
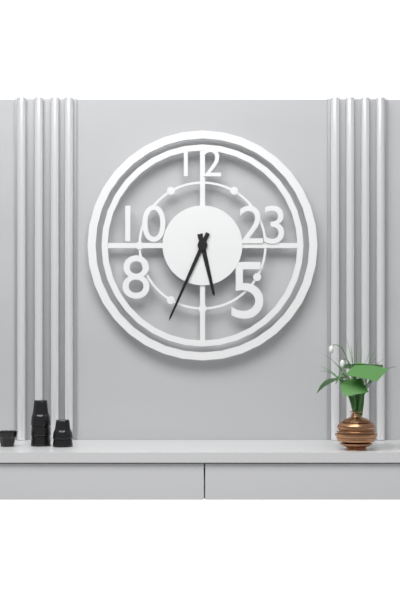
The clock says 5.34
